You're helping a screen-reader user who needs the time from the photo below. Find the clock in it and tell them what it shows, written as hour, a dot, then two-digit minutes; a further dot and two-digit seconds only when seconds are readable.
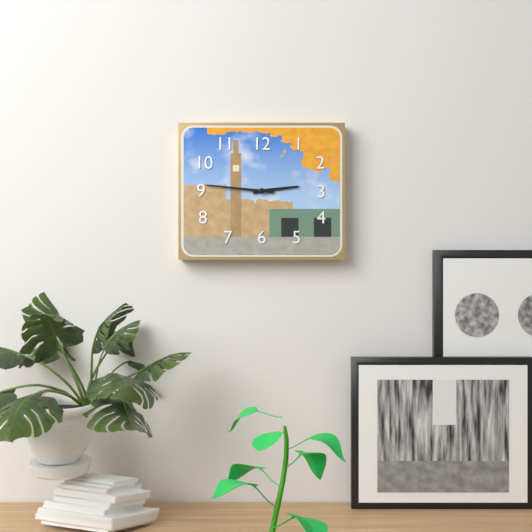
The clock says 2.46
